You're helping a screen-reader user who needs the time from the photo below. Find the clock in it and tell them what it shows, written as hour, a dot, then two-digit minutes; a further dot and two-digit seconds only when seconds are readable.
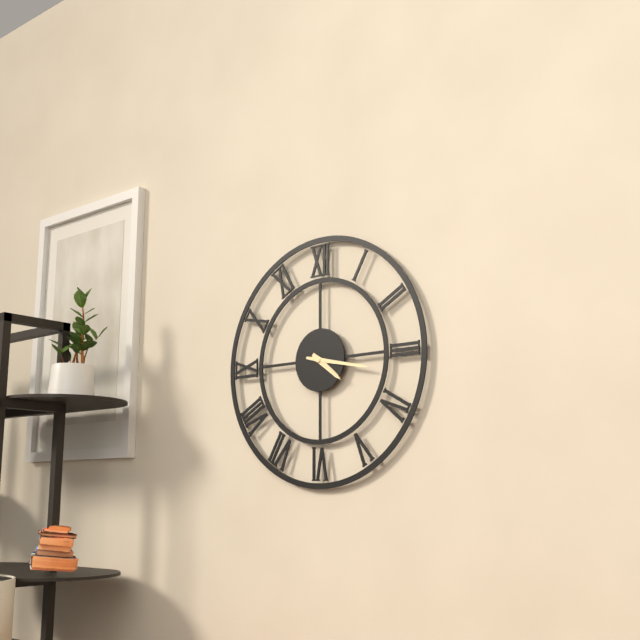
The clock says 4.17
